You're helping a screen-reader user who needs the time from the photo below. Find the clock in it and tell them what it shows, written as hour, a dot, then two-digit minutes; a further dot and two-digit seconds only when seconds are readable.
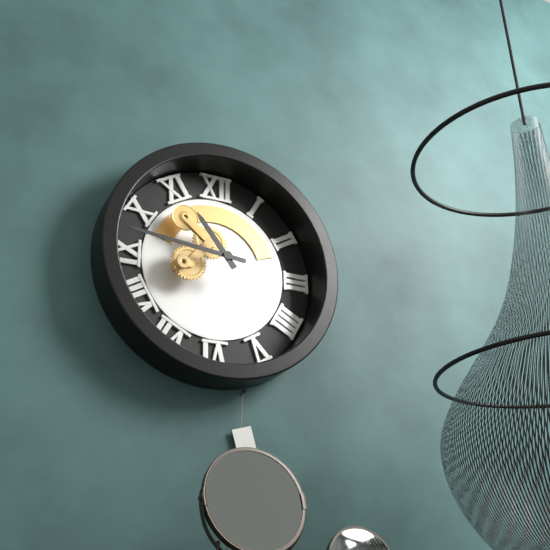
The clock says 10.46
